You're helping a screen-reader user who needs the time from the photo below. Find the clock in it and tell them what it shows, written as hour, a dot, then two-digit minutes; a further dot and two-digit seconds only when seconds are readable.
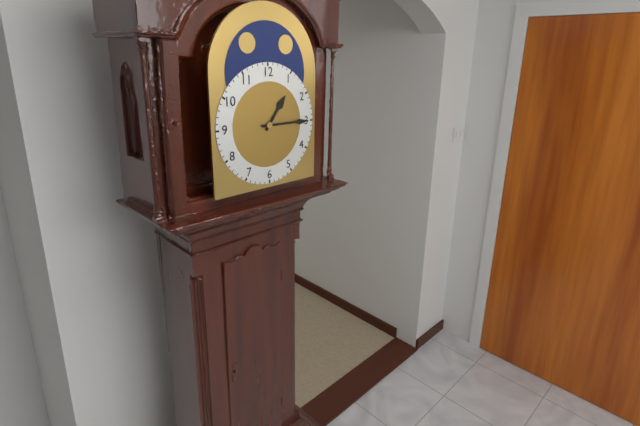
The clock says 1.15
